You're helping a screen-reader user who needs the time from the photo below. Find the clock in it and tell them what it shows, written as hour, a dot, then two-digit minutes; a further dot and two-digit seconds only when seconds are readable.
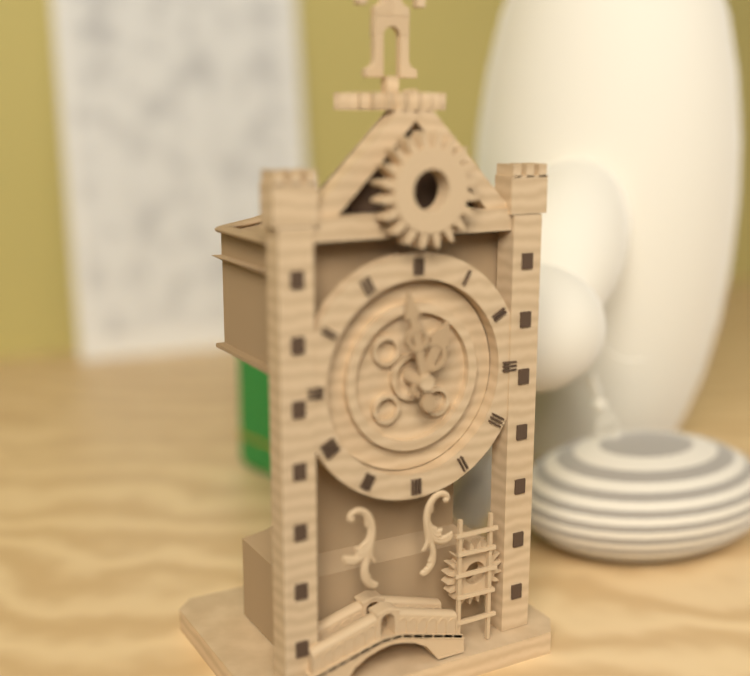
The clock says 12.58
